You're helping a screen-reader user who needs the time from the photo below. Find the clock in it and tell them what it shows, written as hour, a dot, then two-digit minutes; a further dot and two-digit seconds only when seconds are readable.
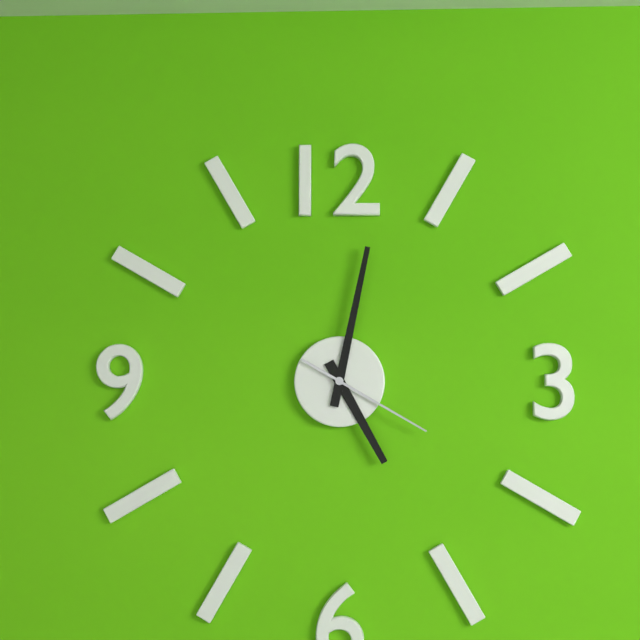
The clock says 5.02.20
